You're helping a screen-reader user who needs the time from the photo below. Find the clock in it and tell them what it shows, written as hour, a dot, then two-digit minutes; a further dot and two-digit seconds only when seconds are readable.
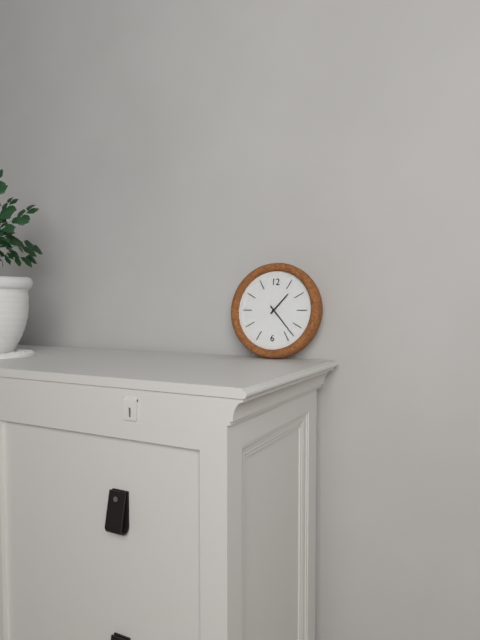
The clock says 1.23
